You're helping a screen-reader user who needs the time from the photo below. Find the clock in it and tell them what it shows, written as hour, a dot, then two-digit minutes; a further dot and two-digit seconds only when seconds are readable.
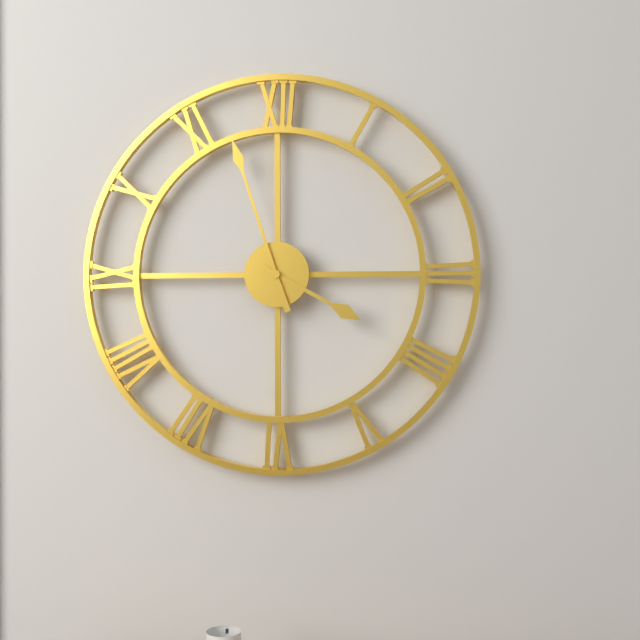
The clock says 3.57
